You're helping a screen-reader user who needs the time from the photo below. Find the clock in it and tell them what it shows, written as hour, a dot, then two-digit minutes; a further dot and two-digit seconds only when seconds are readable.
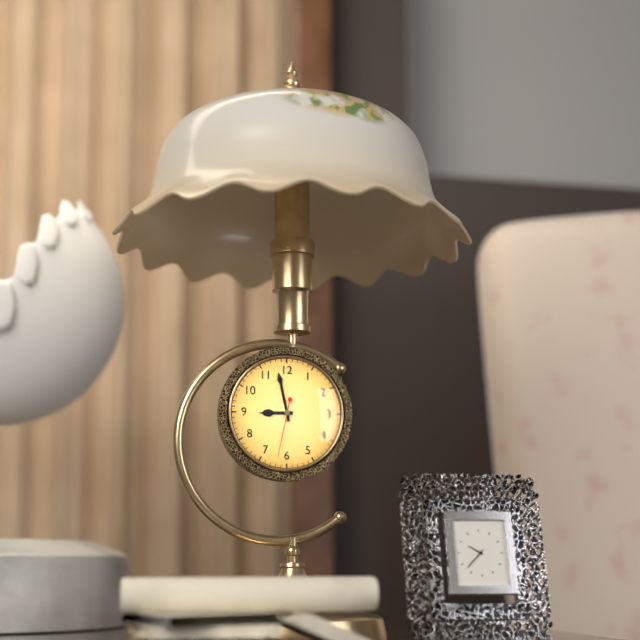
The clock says 8.58.32
